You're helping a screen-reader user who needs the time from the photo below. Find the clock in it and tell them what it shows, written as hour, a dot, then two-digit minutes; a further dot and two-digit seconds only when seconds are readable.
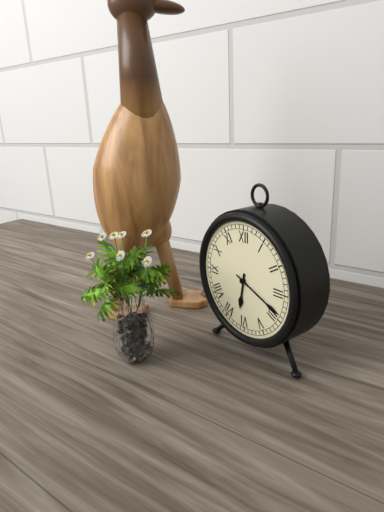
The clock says 6.19
